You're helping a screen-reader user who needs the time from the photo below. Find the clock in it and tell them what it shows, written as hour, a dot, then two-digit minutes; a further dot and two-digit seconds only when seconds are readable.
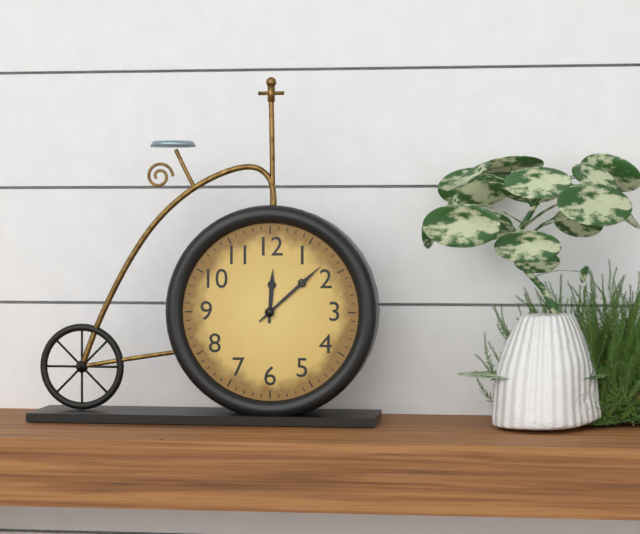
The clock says 12.08
